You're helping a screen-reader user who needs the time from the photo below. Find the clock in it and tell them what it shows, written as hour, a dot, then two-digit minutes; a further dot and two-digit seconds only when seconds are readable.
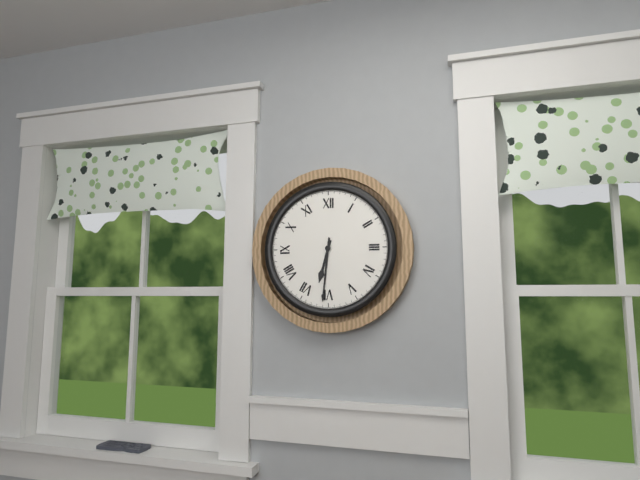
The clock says 6.31
